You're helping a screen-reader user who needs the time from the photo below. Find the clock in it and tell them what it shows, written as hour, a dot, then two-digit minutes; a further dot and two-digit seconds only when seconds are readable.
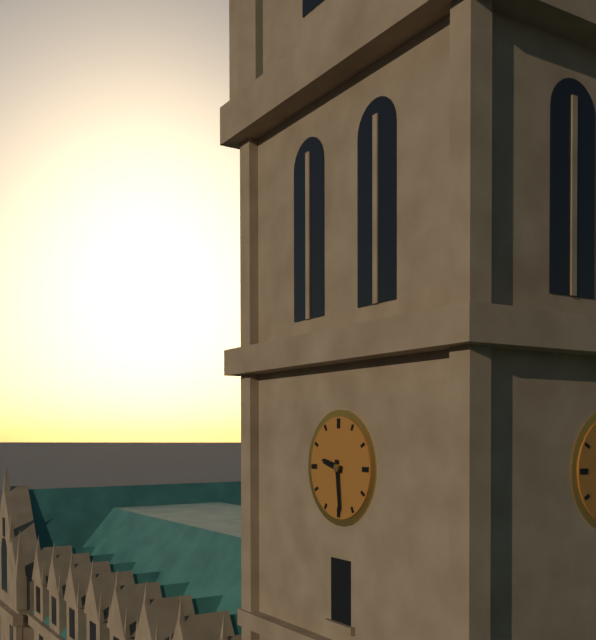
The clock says 9.29
